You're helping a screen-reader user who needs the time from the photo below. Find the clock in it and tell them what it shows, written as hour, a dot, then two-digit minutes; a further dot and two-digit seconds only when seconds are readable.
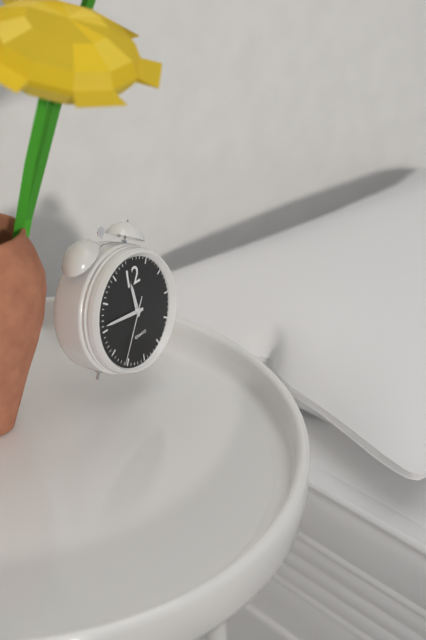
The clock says 11.46.36
